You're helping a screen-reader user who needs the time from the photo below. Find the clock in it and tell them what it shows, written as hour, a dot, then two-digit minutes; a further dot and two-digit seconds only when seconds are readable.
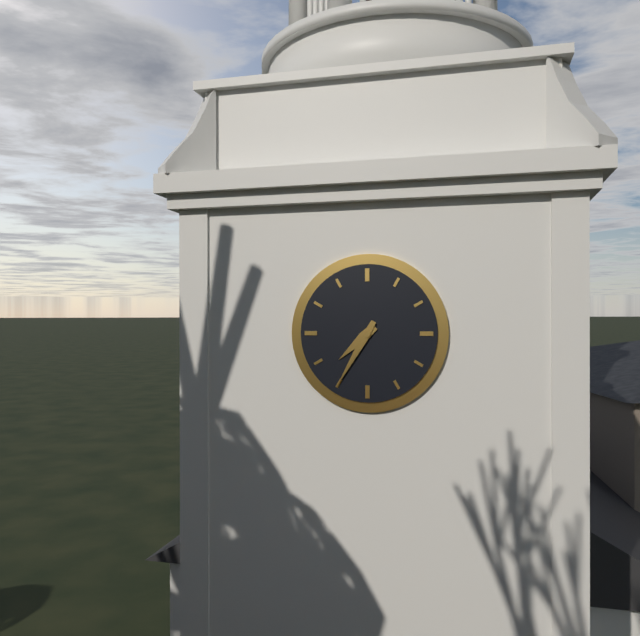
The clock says 7.35
